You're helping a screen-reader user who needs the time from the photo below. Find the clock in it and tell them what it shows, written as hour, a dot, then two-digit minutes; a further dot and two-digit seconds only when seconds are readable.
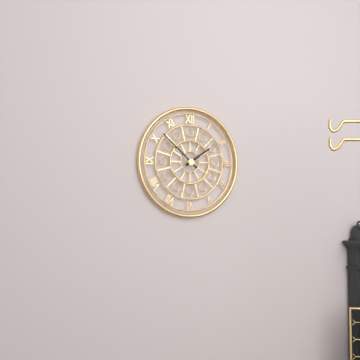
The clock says 1.52
